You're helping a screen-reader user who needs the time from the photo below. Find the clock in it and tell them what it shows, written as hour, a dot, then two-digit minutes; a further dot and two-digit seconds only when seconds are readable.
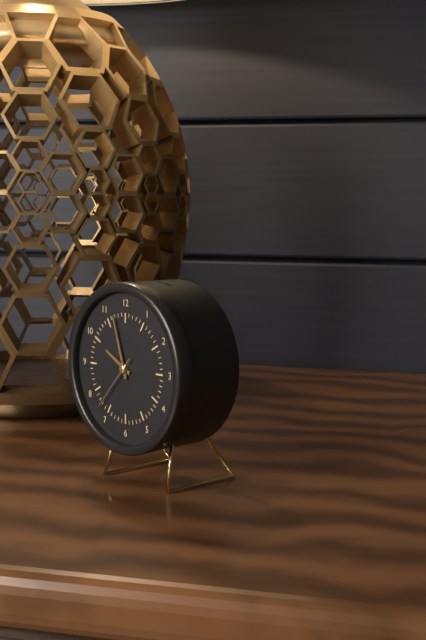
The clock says 9.57.37
